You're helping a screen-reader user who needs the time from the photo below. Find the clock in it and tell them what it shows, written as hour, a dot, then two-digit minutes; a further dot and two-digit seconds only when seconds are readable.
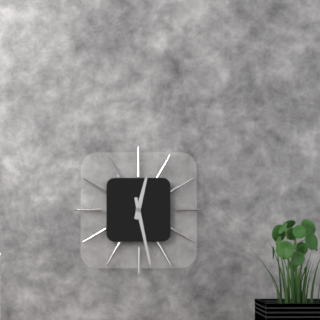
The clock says 12.28
